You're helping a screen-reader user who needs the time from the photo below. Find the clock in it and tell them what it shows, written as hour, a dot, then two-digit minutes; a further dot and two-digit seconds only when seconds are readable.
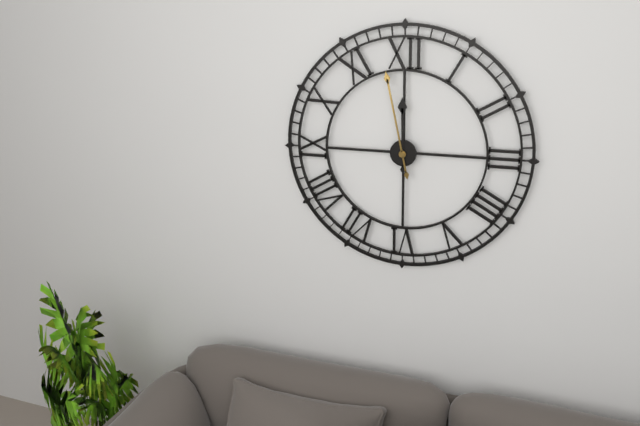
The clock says 11.58
